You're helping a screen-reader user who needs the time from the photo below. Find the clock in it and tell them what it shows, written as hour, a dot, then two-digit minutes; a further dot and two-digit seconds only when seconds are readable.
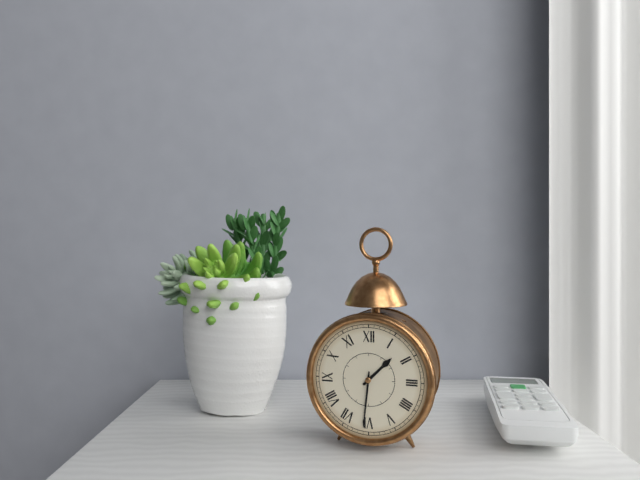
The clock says 1.31
